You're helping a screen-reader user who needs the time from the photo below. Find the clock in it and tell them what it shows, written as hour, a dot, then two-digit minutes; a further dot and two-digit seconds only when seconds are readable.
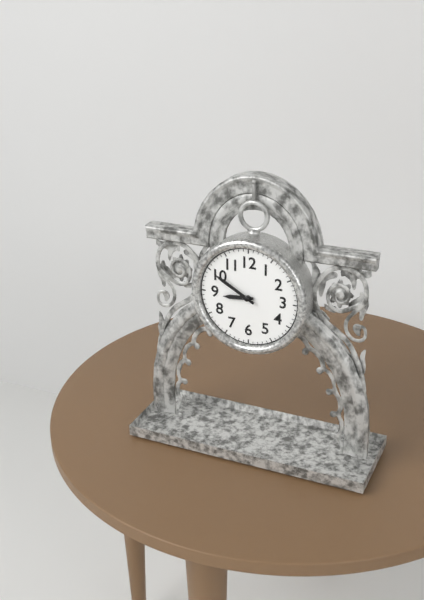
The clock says 8.50
